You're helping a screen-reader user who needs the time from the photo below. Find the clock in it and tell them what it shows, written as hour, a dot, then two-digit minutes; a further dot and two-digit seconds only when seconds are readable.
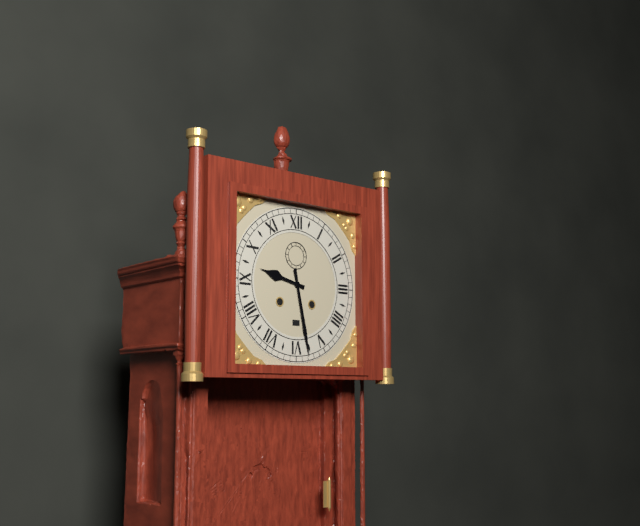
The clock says 9.28
